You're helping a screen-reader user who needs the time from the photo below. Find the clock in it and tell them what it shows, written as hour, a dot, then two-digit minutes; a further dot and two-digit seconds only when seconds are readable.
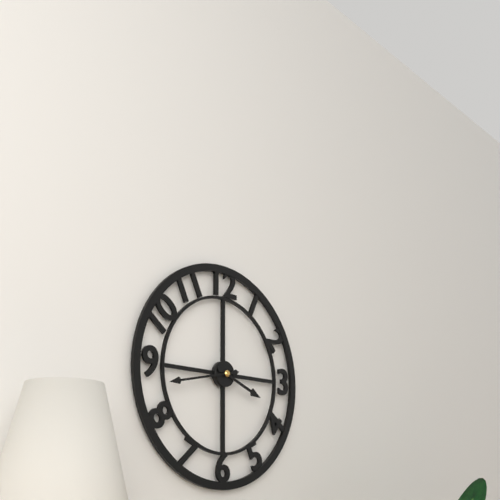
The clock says 3.43
